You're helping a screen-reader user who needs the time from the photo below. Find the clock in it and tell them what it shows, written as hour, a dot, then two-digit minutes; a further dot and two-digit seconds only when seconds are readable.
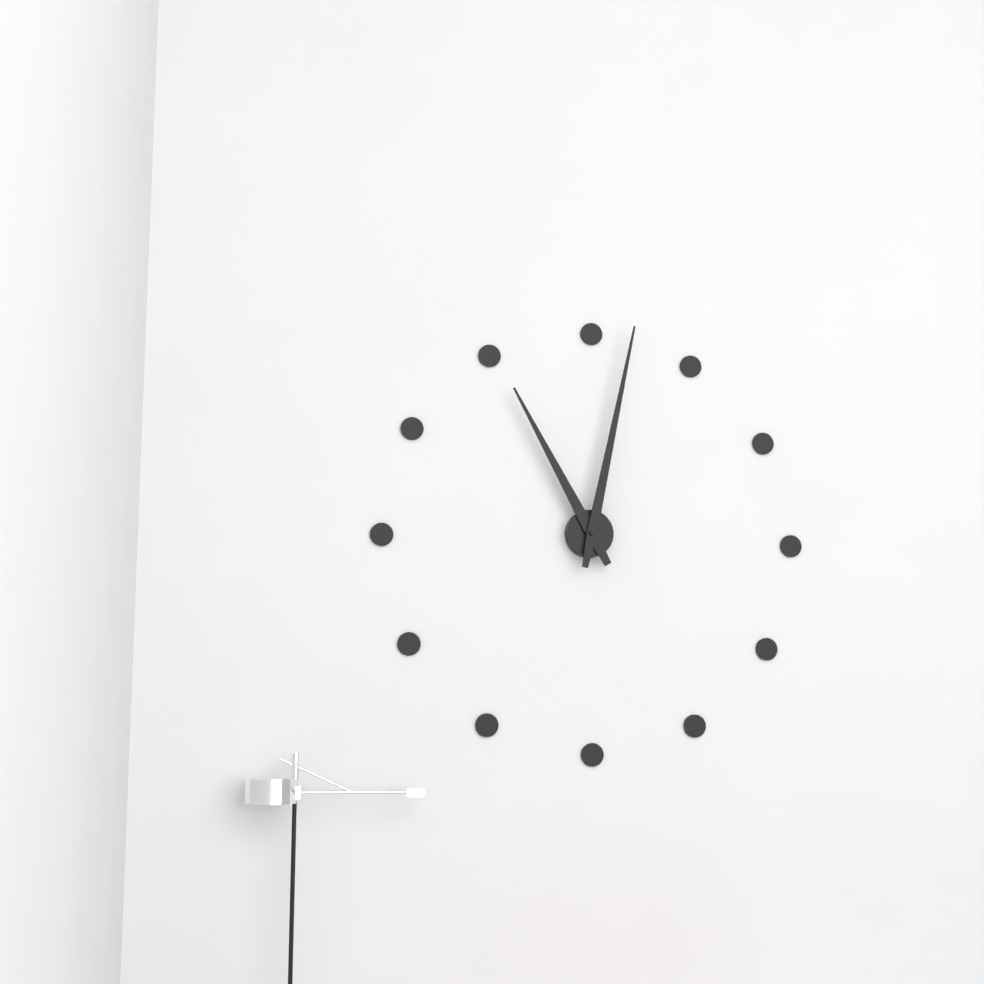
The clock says 11.02
